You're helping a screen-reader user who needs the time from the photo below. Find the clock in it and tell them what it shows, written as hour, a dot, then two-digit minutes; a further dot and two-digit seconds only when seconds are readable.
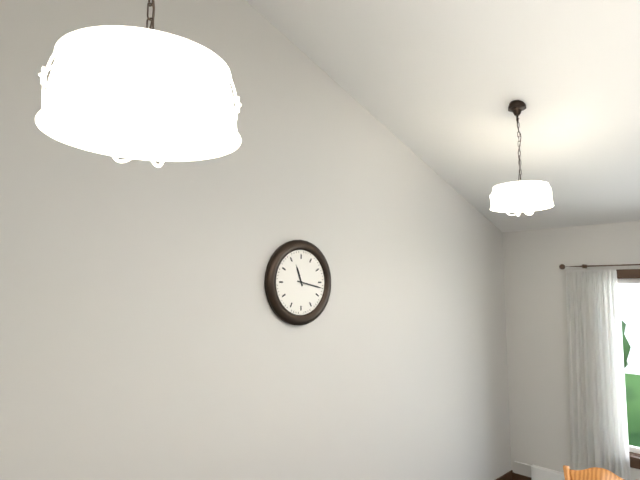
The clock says 11.17
